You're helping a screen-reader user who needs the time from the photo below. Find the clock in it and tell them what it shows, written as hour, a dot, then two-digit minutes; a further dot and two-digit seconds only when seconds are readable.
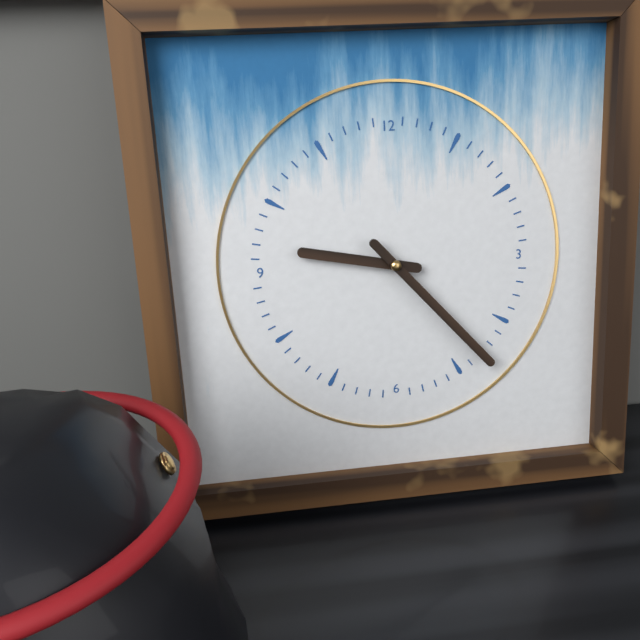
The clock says 9.23
